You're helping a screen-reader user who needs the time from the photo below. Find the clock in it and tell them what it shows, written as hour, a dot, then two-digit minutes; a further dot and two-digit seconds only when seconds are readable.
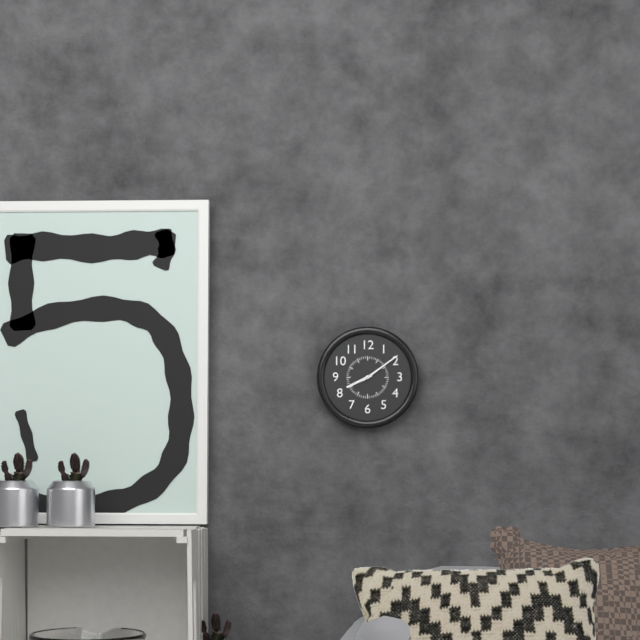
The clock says 8.09
